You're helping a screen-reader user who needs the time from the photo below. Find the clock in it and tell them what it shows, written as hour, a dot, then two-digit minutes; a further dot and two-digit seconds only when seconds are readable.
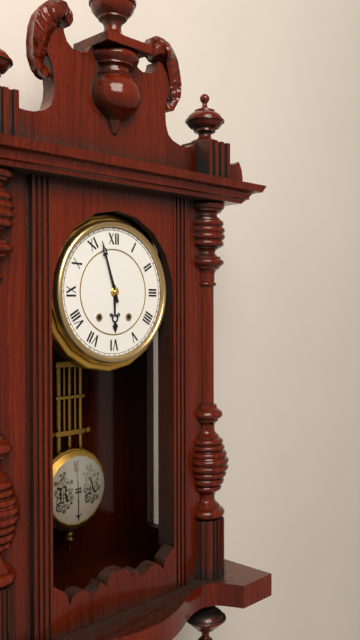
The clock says 5.57
